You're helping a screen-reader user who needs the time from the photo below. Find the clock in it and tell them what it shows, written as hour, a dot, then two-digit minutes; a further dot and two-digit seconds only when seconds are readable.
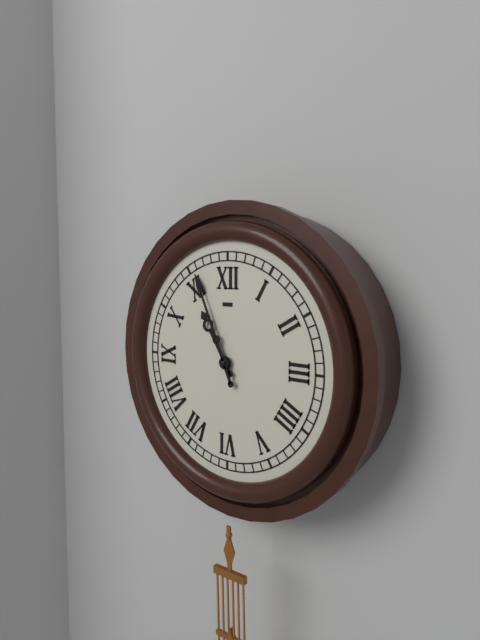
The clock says 10.56
